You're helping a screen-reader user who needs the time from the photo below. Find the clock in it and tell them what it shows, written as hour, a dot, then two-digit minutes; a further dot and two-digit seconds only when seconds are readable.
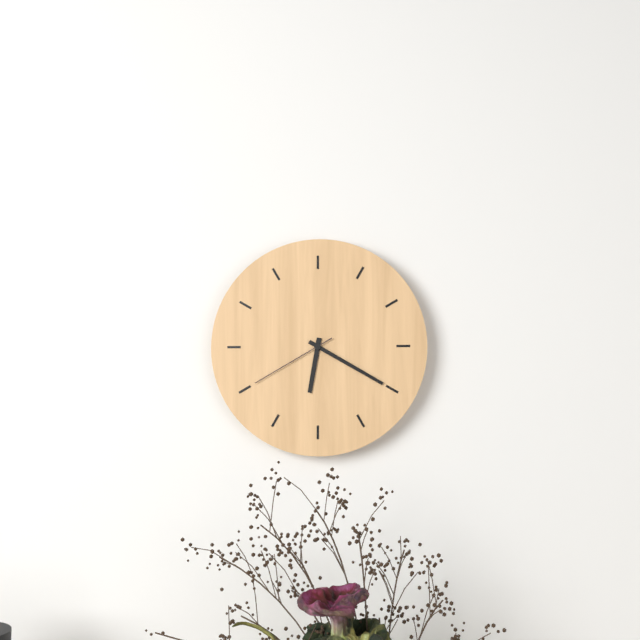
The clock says 6.20.40
